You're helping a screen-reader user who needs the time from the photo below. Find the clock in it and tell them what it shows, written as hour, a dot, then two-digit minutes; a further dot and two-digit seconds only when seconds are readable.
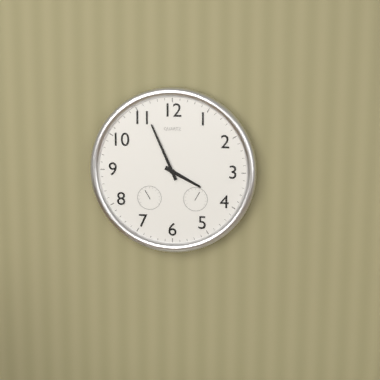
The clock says 3.56
